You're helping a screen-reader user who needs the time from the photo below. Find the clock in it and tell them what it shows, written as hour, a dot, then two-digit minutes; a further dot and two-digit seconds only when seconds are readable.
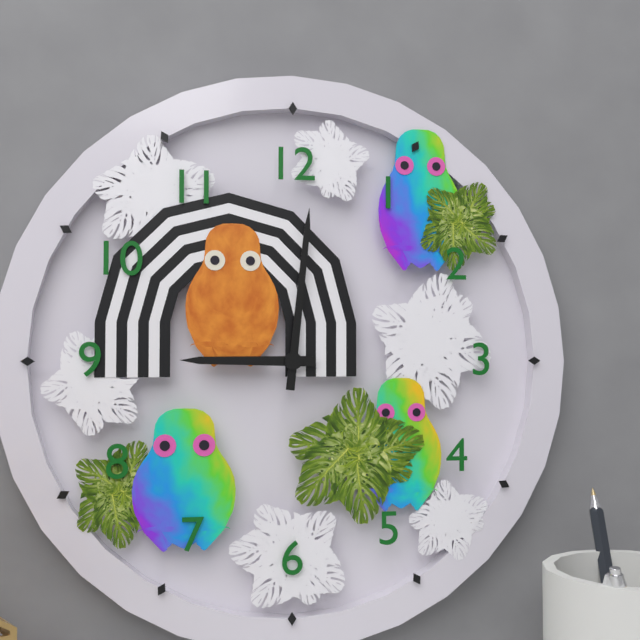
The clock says 9.01
